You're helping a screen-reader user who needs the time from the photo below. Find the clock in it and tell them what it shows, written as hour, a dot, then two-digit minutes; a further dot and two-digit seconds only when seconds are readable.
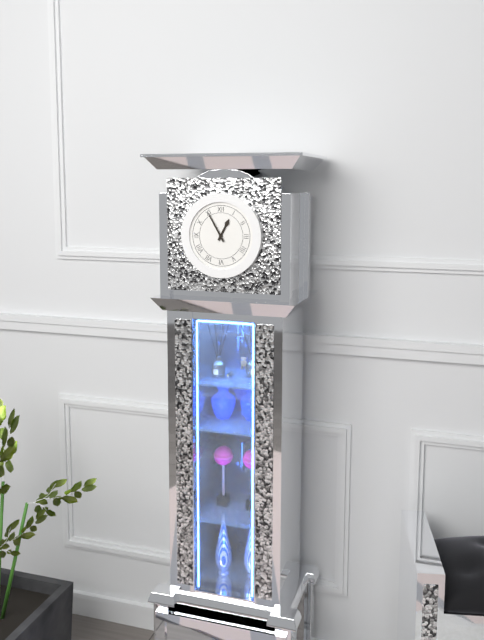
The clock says 12.55
